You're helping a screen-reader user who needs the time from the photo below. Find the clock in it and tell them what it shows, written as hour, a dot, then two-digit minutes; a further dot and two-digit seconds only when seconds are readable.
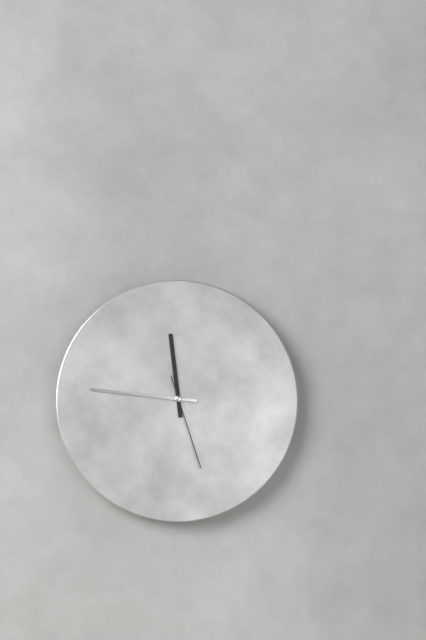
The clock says 11.46.27
